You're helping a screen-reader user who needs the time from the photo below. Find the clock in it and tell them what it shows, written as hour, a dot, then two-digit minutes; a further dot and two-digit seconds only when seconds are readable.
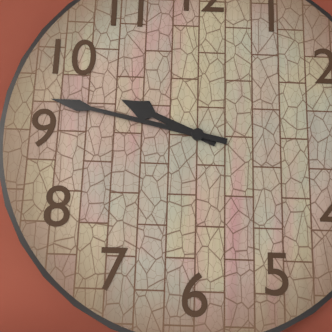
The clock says 9.47
